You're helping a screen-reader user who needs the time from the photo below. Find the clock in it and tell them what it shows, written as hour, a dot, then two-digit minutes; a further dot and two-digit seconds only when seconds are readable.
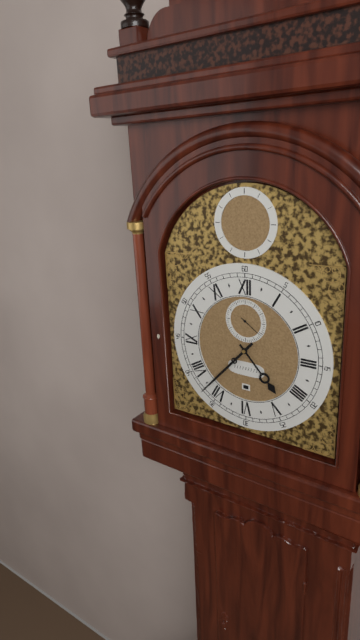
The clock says 4.37
